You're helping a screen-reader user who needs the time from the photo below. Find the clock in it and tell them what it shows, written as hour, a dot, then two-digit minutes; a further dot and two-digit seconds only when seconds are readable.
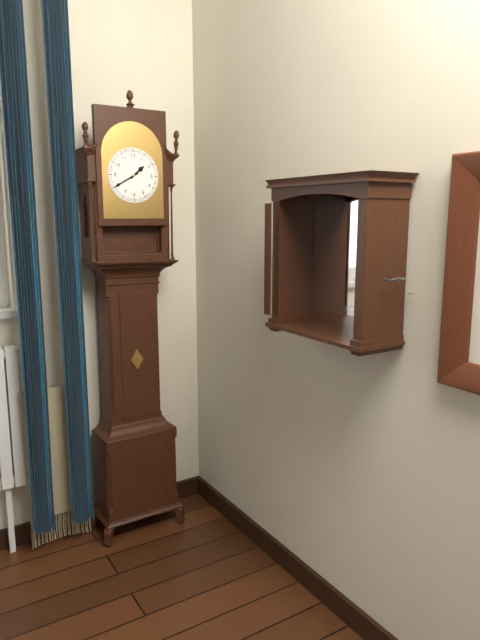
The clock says 1.40
